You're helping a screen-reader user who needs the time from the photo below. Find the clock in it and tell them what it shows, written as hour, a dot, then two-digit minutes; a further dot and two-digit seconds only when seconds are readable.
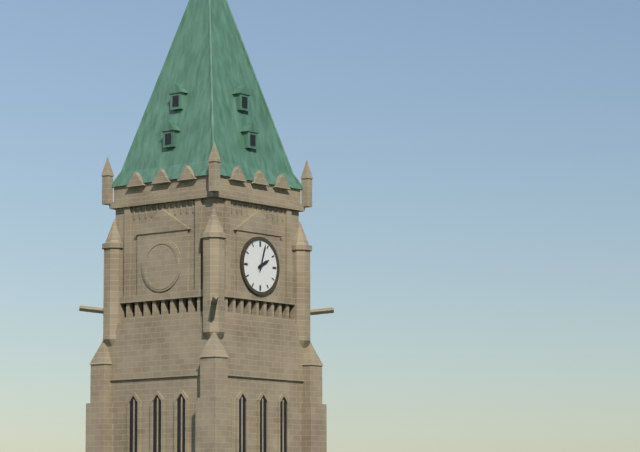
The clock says 2.03
